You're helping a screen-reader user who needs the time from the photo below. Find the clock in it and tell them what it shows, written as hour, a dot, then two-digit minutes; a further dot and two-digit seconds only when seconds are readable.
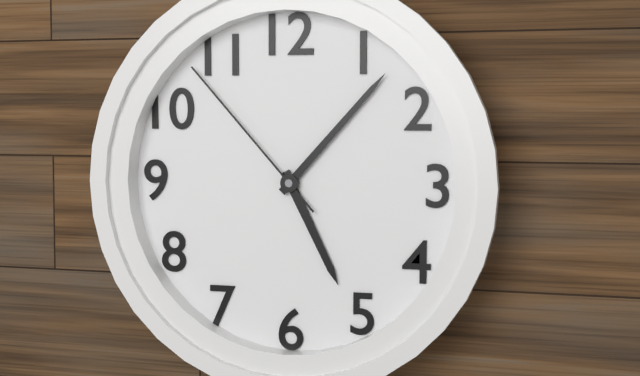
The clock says 5.07.53
